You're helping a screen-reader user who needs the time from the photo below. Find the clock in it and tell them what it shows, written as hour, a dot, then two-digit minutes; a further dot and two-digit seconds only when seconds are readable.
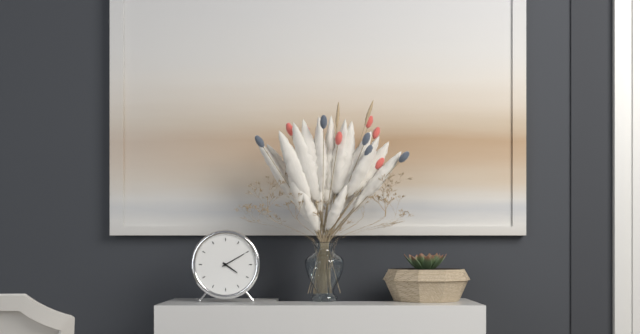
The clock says 4.10
